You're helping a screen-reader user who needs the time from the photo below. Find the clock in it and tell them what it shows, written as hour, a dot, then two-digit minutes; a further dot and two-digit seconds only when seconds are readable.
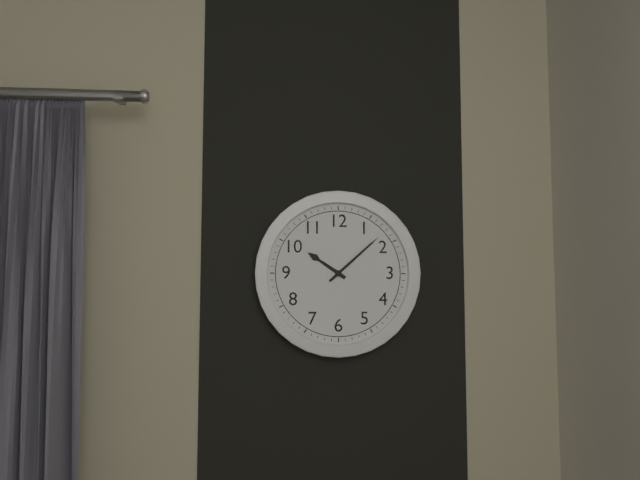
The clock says 10.08
